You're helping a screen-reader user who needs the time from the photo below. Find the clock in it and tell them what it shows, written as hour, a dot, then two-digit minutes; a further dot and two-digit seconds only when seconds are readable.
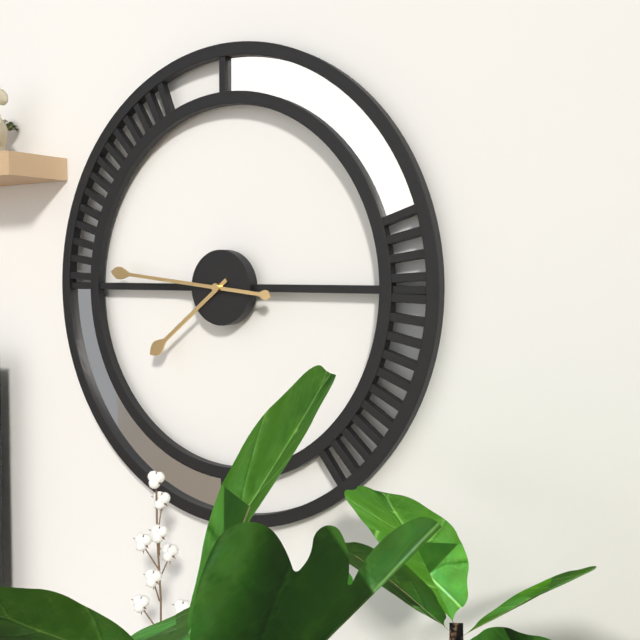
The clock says 7.46
